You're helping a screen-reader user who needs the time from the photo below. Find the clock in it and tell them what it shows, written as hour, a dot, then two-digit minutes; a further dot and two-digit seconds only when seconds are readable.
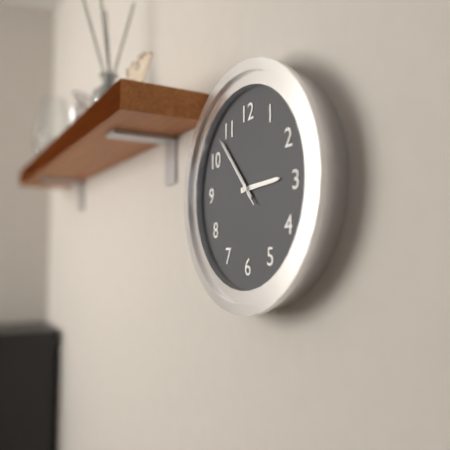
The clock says 2.53.53
